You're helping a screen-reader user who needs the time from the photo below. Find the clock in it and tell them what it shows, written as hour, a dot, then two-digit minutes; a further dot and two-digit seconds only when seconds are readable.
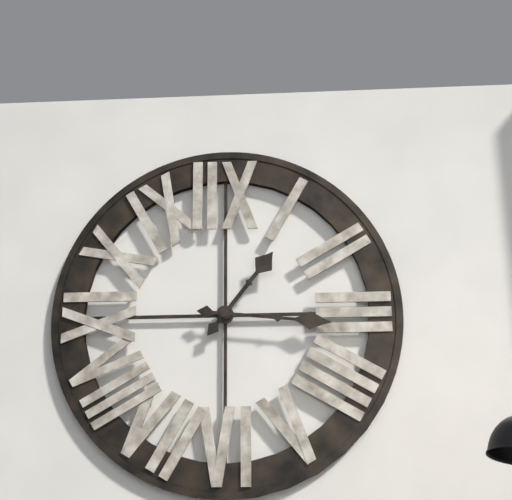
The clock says 1.16
